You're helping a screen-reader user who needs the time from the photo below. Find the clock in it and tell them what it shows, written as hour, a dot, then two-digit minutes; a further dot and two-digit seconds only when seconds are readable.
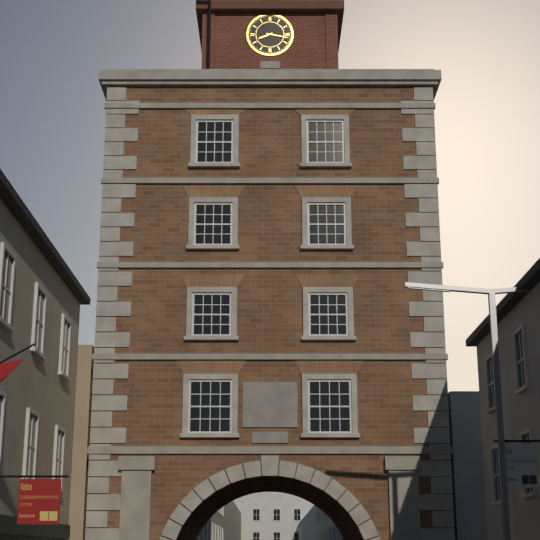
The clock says 8.17
